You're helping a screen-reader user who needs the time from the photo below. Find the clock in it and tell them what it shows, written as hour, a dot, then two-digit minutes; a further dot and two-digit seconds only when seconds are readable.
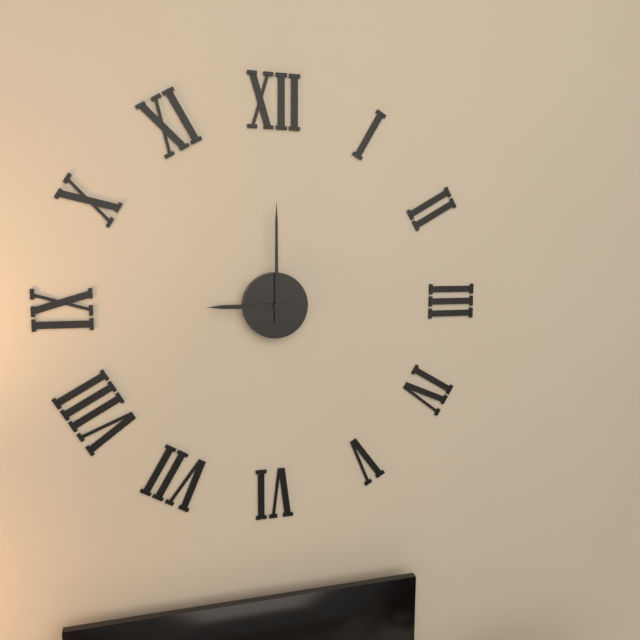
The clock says 9.00
